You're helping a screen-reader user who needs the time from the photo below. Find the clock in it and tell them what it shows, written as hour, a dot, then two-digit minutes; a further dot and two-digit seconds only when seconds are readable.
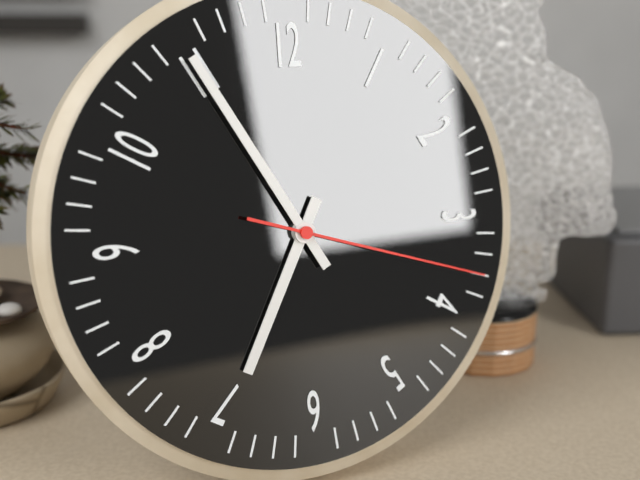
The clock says 6.55.18
